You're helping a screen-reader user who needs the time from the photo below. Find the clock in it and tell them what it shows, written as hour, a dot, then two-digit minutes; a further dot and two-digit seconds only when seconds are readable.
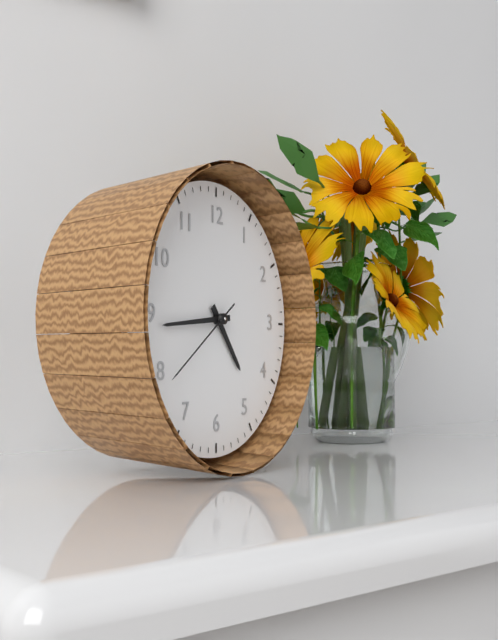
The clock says 4.44.39
